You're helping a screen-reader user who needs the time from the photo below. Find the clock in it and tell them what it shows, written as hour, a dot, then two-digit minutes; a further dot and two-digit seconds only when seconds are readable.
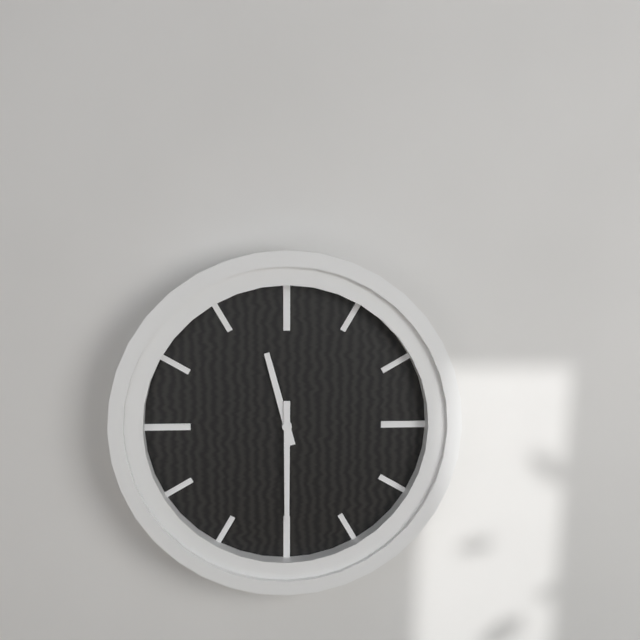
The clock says 11.30
